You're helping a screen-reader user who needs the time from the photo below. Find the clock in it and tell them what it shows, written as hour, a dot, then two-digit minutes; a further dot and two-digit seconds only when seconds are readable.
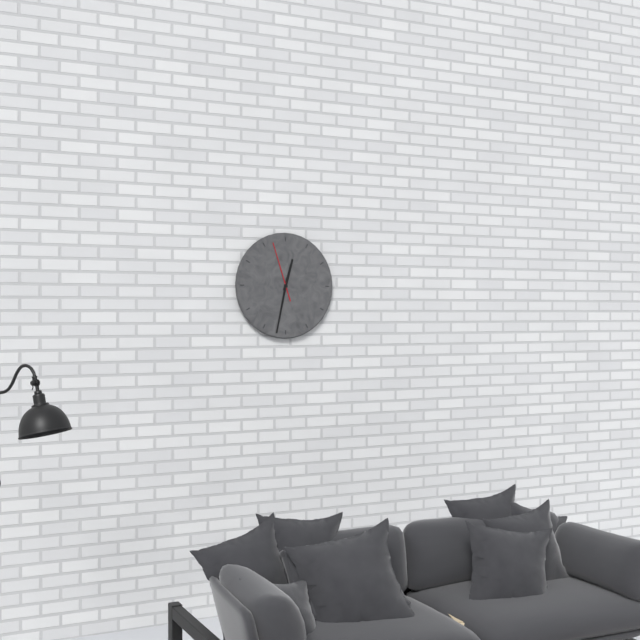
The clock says 12.32.57
